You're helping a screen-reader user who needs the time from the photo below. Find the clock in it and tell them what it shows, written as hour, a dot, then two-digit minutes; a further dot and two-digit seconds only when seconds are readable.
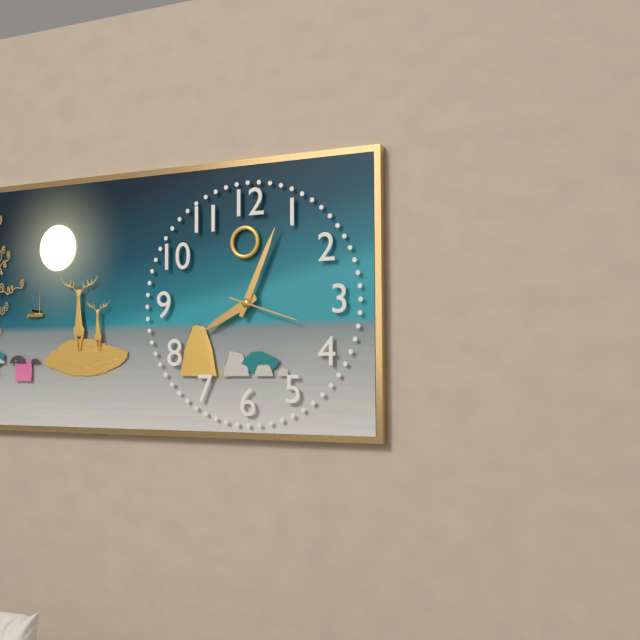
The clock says 8.04.18
